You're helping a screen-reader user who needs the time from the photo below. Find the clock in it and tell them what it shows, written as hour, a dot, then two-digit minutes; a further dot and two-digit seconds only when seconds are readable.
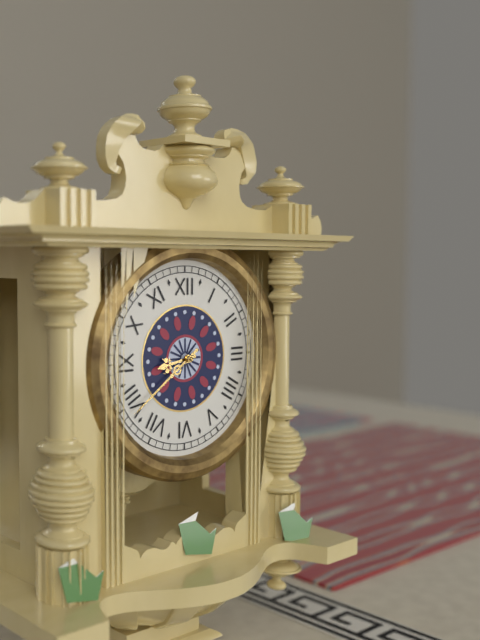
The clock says 8.39
